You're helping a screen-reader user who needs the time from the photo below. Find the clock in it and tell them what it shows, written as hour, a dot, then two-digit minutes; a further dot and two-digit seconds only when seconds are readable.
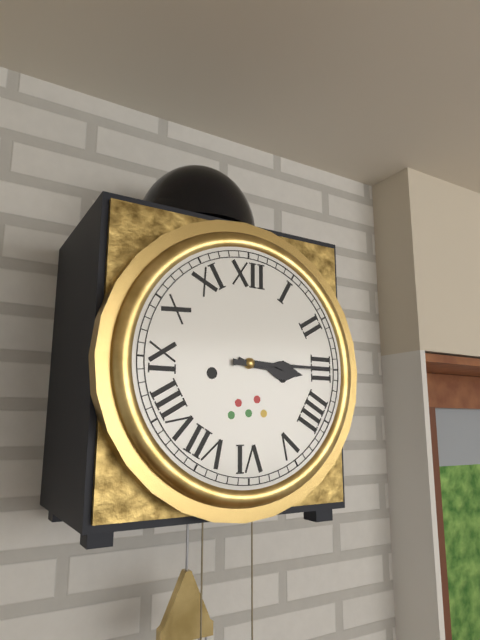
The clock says 3.15
